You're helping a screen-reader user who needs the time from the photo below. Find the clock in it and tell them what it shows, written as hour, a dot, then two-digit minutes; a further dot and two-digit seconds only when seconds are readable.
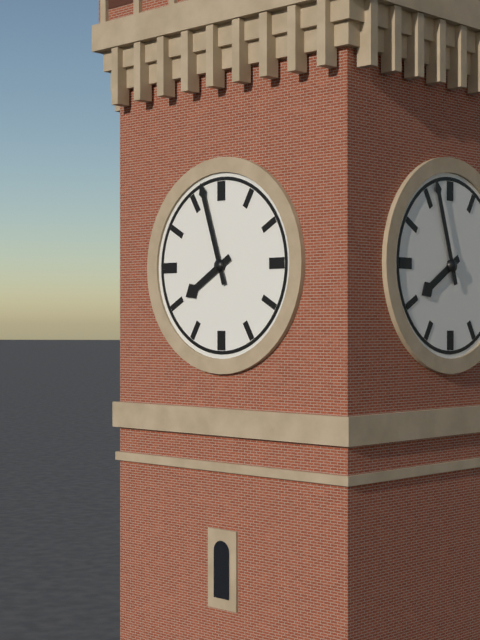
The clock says 7.57
